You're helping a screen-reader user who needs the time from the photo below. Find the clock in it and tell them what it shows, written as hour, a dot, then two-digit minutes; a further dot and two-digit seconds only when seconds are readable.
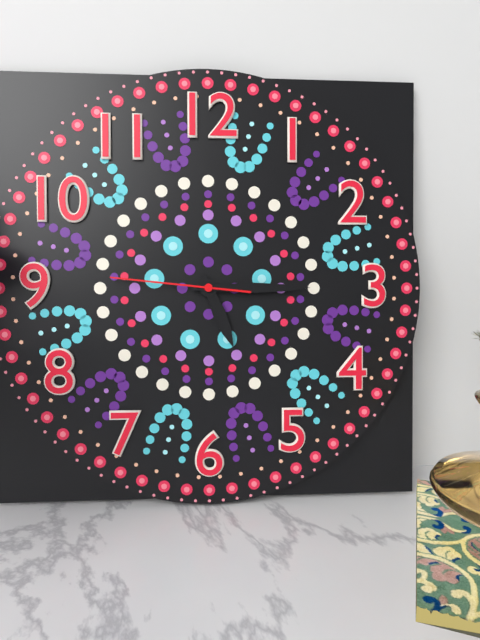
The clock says 5.15.46
